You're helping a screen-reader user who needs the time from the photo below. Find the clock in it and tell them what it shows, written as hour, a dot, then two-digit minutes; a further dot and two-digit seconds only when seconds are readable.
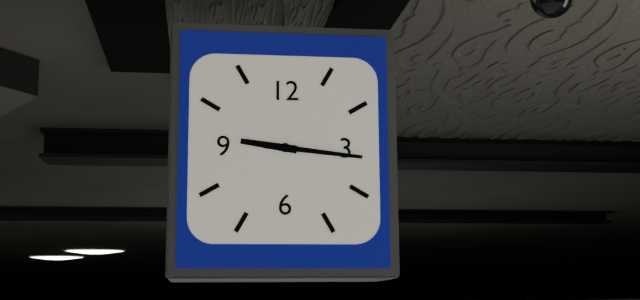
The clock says 9.16
